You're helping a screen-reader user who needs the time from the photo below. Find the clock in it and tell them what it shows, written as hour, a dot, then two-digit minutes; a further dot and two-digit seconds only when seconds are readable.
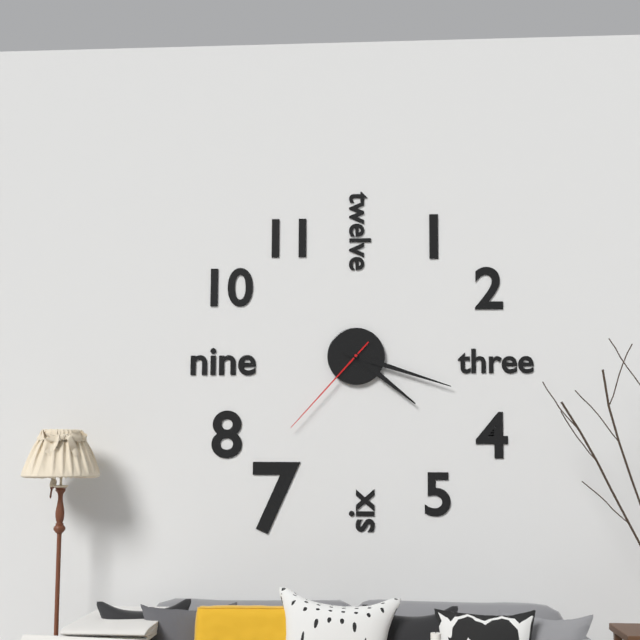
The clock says 4.18.37
